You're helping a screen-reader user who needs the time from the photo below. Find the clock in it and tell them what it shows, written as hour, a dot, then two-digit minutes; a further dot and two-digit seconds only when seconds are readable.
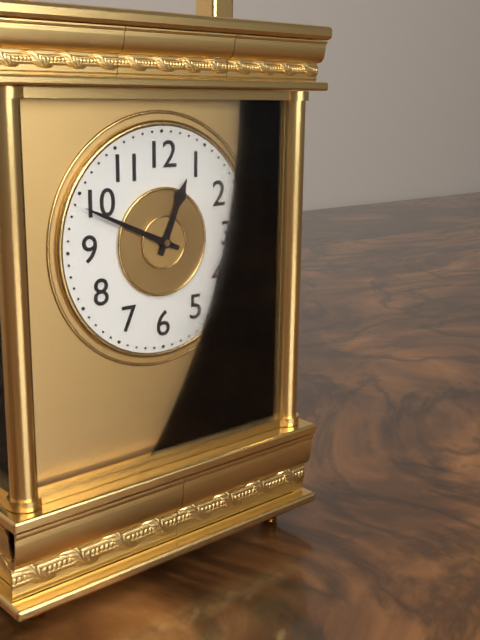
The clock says 12.49
